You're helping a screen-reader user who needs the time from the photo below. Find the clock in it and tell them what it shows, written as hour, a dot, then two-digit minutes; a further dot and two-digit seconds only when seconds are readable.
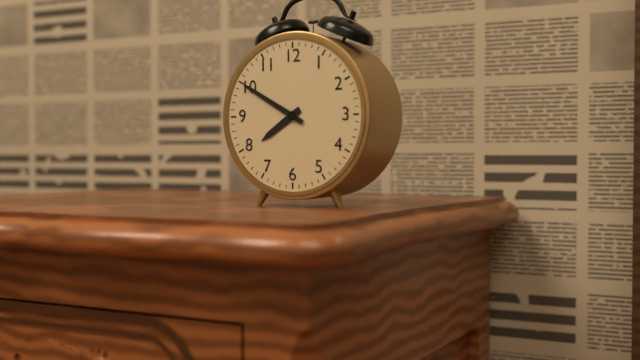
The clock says 7.50
